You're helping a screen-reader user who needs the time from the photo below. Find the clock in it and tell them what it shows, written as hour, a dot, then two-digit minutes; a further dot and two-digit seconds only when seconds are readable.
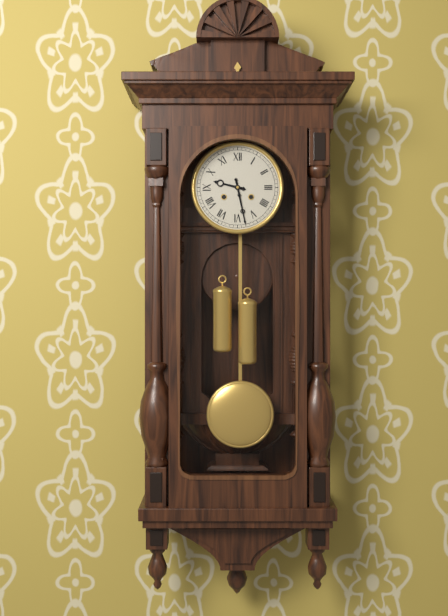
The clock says 9.28
